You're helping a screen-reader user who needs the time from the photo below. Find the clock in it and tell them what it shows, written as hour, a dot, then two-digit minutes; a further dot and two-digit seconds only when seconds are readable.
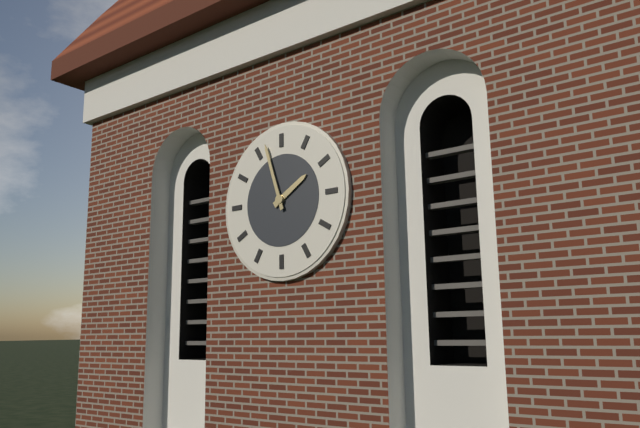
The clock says 1.57
